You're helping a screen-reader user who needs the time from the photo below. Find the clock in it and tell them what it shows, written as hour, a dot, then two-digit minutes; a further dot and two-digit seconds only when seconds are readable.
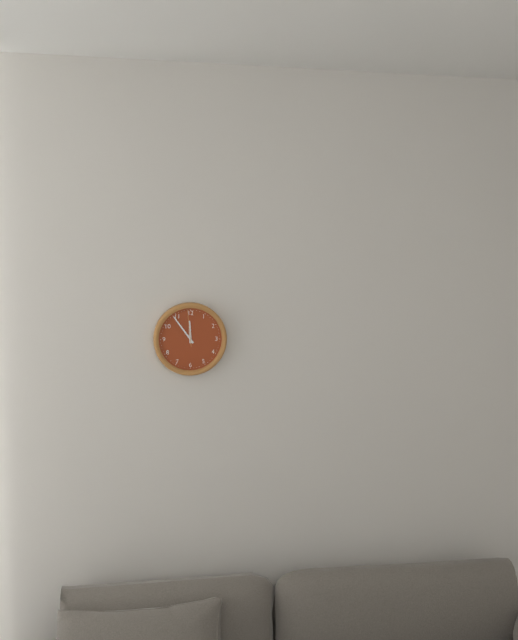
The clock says 11.54
